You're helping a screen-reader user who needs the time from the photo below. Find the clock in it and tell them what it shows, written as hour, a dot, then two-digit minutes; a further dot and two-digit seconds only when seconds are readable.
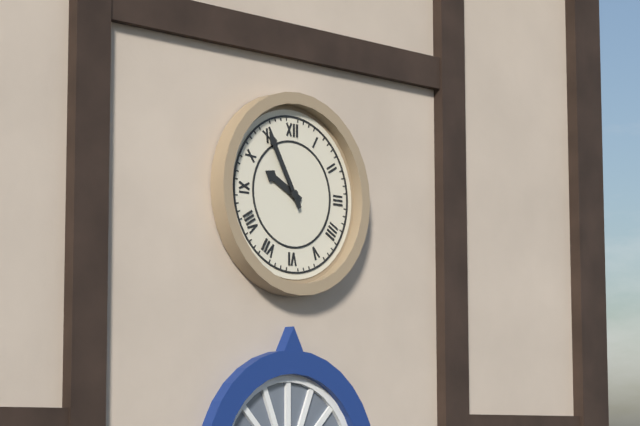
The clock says 9.55
